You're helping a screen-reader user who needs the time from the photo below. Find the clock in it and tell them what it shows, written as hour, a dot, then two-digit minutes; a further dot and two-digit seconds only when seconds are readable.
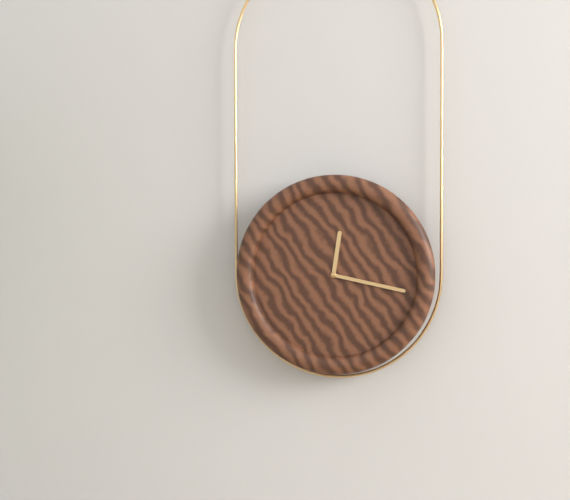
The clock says 12.17
